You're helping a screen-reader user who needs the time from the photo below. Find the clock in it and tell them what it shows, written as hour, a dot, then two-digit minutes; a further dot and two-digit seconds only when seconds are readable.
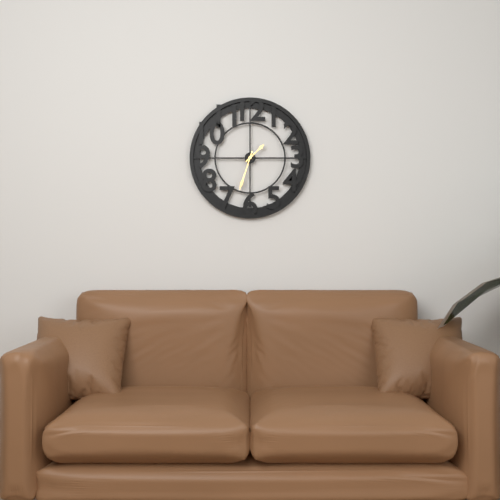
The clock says 1.33
